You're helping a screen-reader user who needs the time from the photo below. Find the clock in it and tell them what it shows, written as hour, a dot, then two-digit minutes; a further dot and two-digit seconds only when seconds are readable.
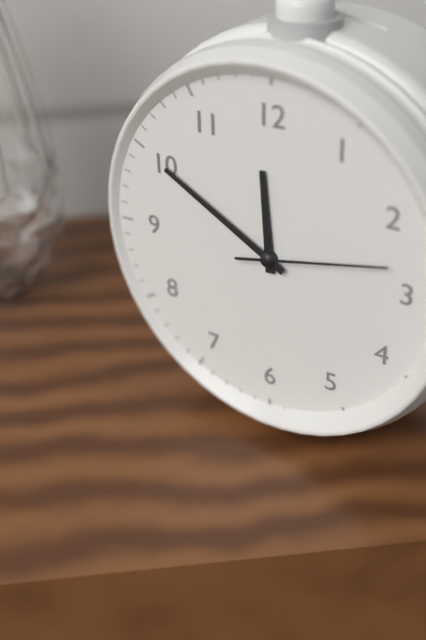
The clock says 11.50.13
